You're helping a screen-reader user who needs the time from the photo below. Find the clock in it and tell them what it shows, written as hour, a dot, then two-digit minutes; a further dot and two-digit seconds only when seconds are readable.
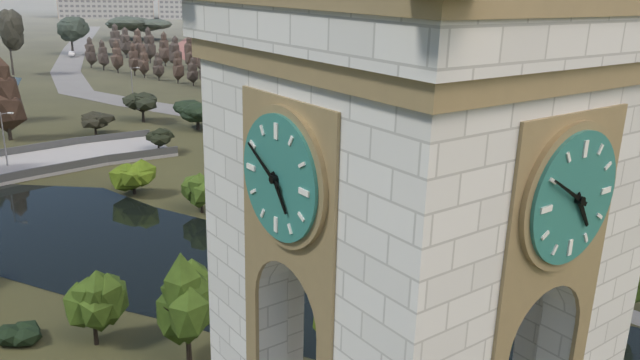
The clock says 4.50
